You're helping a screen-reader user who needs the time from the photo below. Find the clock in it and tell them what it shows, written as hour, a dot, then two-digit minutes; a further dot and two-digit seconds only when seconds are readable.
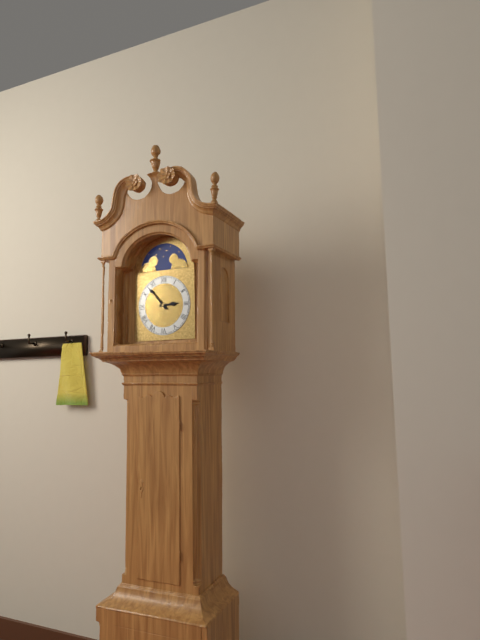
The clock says 2.53
